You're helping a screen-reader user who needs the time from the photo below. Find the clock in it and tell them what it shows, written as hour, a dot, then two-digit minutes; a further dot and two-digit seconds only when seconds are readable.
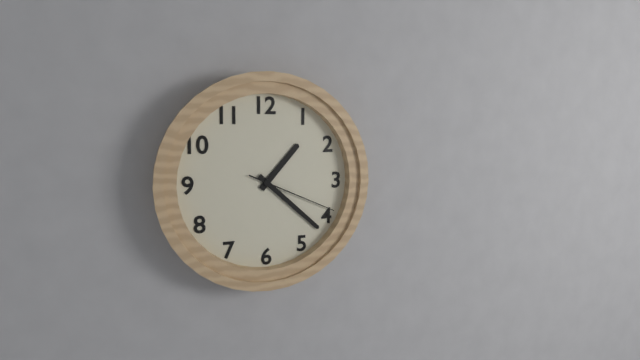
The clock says 1.22.19
